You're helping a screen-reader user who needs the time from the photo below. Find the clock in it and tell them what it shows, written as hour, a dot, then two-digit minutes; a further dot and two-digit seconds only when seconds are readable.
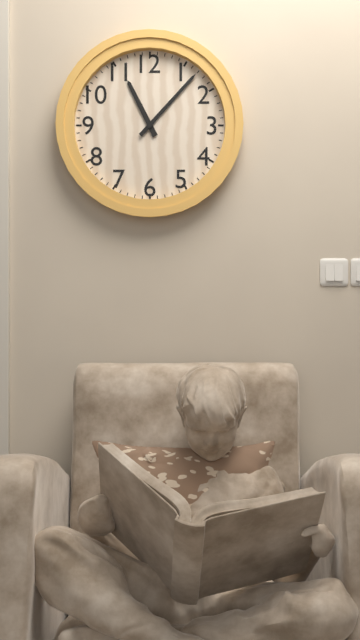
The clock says 11.07
